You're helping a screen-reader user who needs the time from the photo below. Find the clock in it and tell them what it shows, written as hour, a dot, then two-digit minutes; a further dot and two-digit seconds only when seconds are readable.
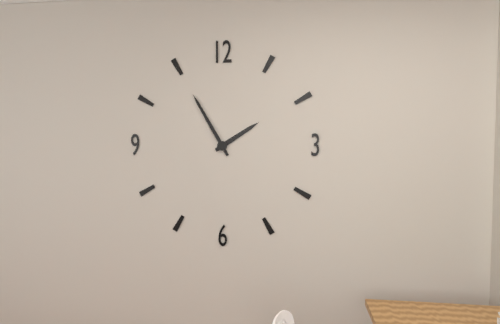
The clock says 1.55
